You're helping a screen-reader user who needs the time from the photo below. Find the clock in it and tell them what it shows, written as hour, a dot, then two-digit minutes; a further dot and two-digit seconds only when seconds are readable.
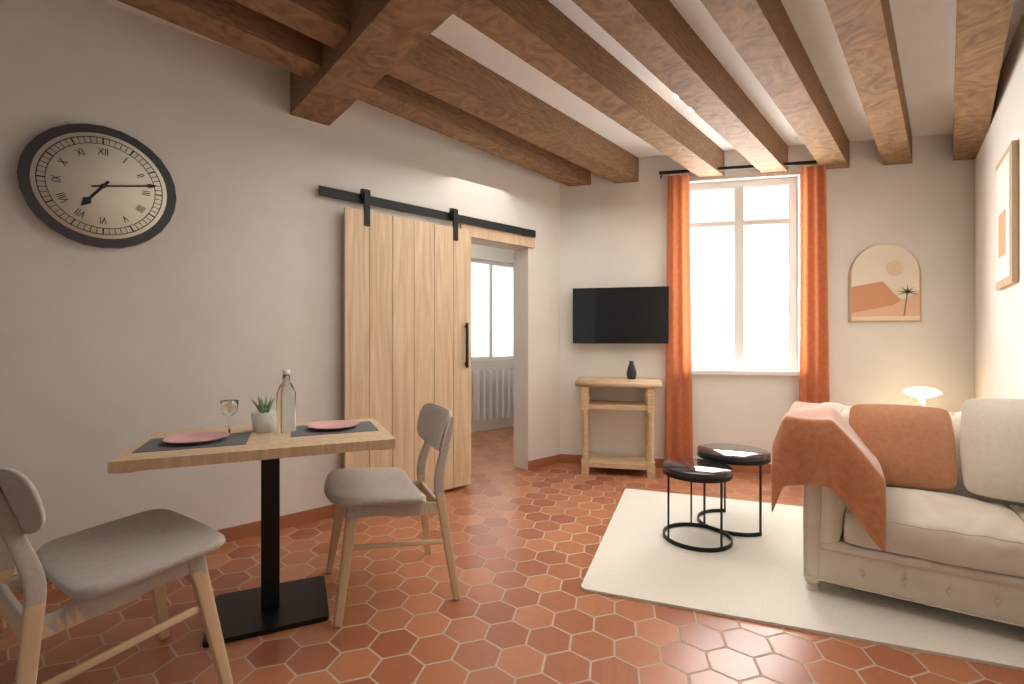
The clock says 7.13
